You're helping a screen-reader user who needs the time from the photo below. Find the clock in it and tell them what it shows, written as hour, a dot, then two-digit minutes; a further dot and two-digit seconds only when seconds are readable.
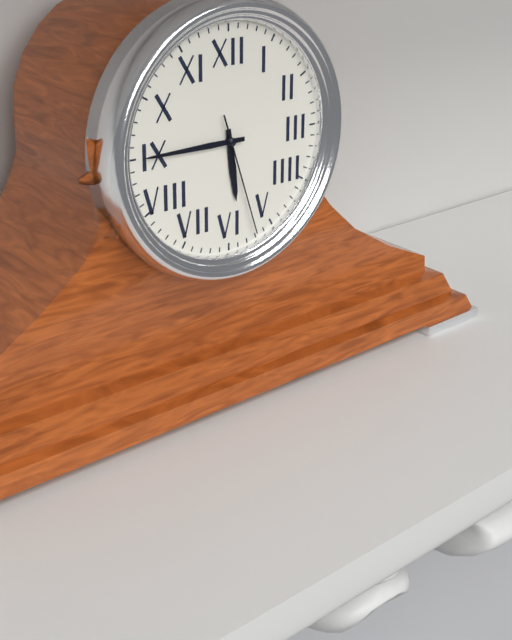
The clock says 5.45.27
